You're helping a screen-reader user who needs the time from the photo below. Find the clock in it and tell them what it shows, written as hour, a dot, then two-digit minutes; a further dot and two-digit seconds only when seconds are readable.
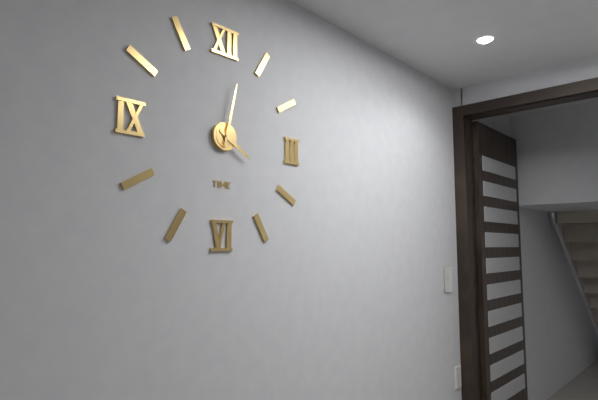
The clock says 4.02
